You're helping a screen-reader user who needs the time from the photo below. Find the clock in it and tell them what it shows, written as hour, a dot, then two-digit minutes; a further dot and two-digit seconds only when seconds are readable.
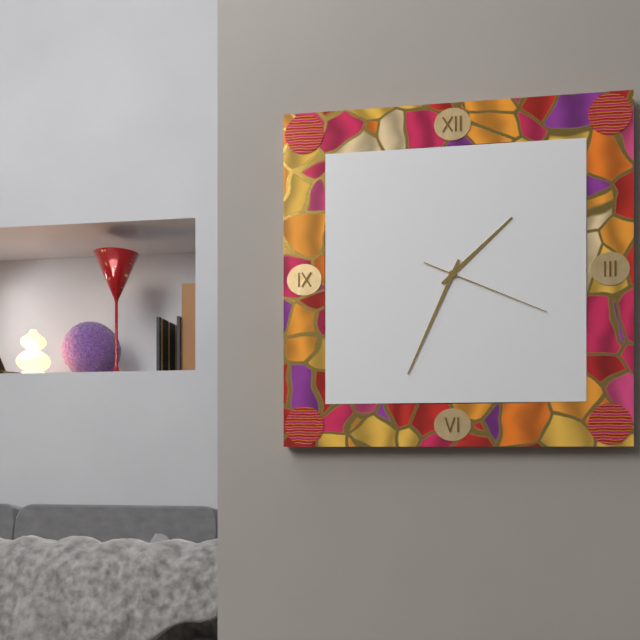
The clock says 1.34.19
